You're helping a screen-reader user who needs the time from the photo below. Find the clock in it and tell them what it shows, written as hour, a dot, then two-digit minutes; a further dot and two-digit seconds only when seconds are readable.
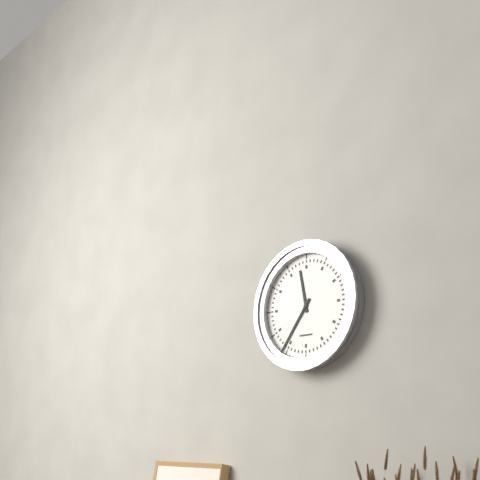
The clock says 11.36
